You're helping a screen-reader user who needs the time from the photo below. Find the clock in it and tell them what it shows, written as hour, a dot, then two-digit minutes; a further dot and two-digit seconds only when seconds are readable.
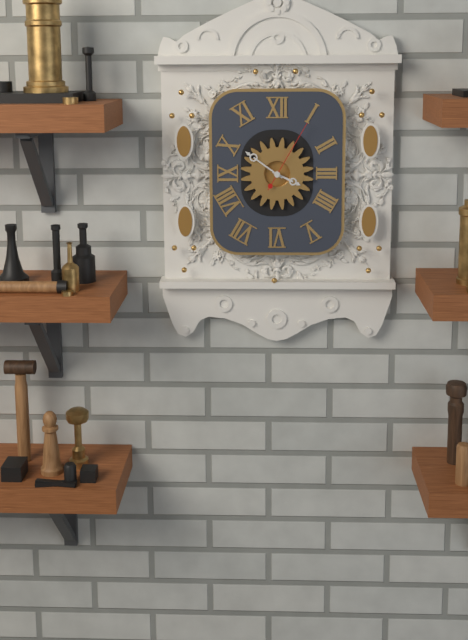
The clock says 3.51.05
